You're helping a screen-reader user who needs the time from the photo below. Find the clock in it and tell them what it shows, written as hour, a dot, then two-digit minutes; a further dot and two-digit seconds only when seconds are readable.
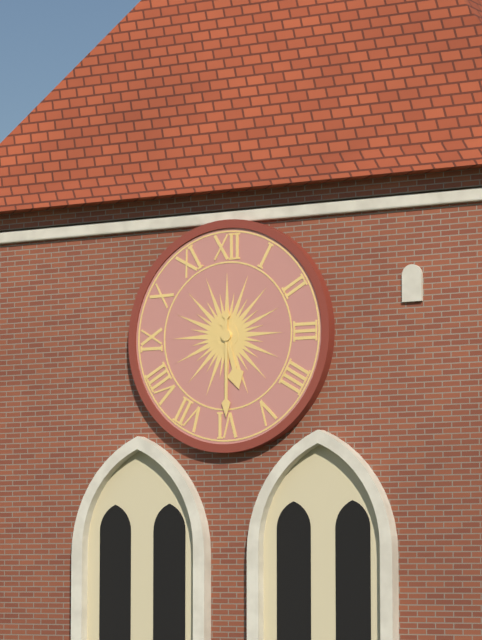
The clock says 5.30
